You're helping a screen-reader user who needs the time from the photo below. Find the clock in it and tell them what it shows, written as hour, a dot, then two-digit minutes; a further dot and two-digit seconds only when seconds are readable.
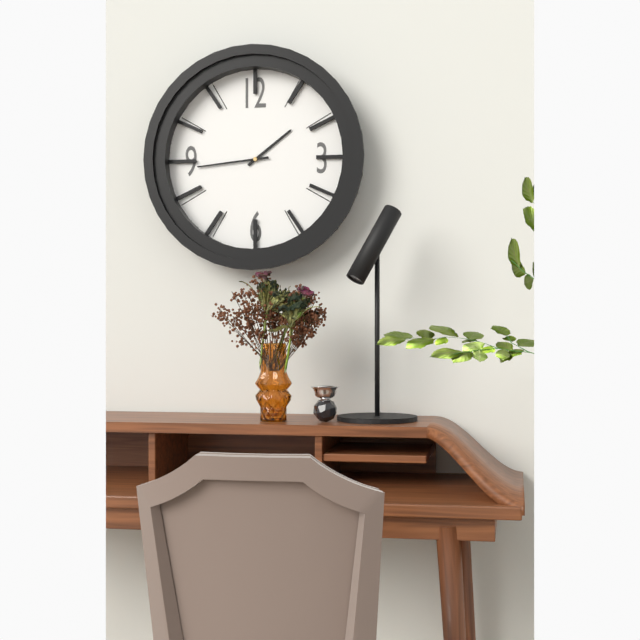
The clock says 1.44
